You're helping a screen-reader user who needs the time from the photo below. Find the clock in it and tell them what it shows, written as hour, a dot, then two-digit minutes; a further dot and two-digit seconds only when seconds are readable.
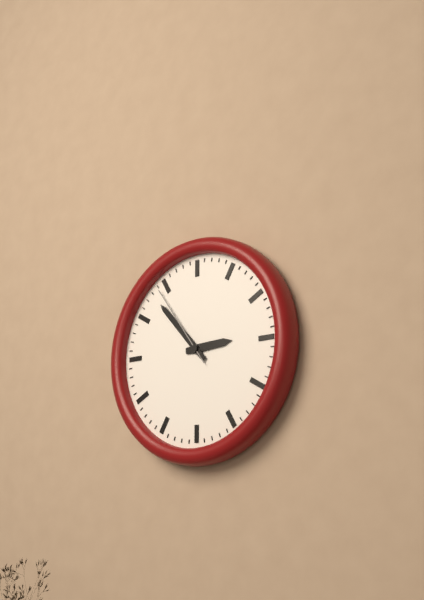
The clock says 2.53.54
